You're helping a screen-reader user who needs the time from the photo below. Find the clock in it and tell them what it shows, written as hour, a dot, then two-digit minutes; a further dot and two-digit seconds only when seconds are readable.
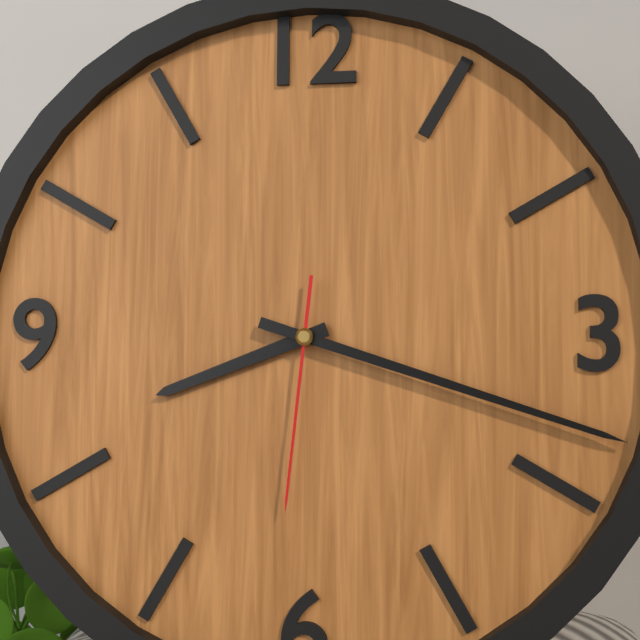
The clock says 8.18.31
